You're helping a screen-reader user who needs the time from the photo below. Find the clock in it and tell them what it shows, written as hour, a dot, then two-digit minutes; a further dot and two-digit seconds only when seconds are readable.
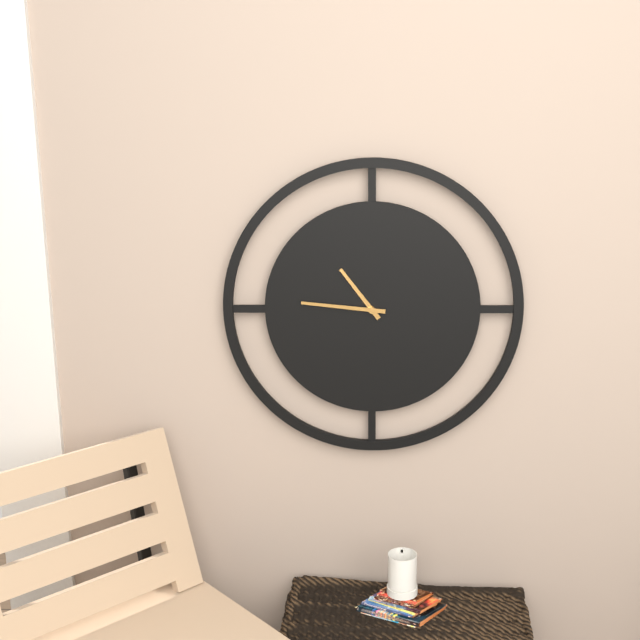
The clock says 10.46
